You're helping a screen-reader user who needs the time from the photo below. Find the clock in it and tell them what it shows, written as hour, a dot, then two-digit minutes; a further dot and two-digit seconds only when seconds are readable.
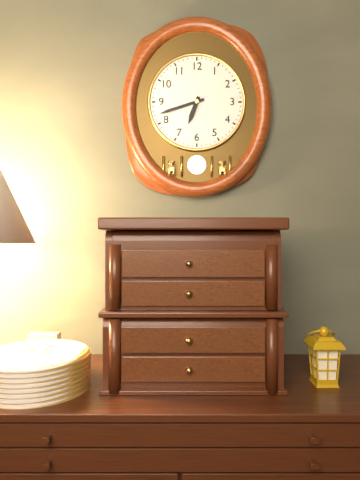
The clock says 6.42
